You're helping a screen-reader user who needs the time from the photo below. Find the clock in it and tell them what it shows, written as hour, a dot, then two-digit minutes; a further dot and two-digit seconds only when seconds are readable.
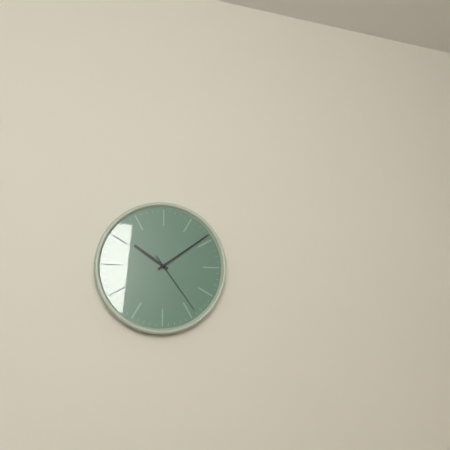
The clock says 10.09.24
